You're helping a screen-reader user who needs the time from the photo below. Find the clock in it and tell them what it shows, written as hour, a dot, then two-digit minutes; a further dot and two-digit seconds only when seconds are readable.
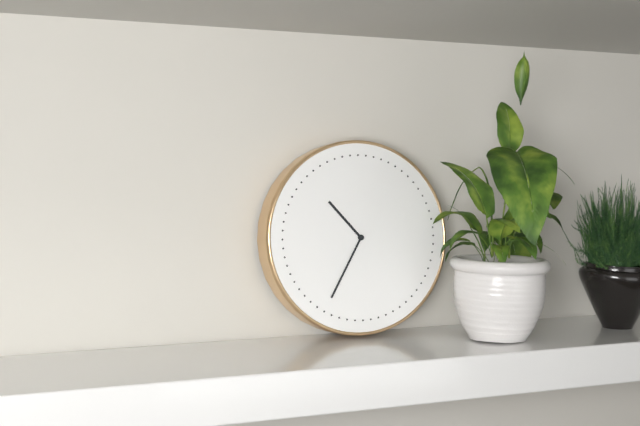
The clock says 10.35
